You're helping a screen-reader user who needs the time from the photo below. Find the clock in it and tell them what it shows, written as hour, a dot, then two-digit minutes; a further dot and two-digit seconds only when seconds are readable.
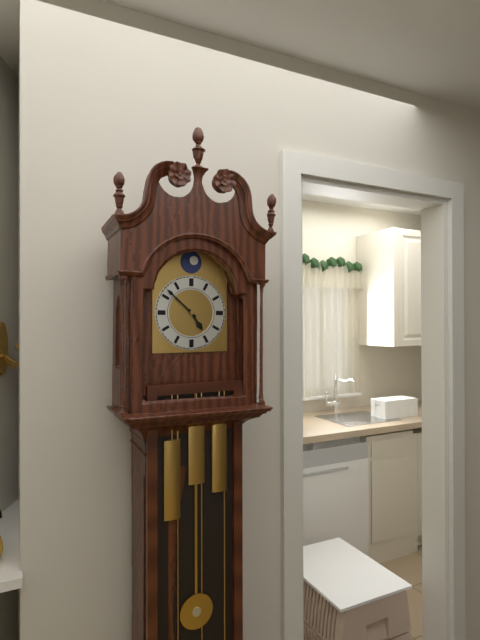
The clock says 4.52
